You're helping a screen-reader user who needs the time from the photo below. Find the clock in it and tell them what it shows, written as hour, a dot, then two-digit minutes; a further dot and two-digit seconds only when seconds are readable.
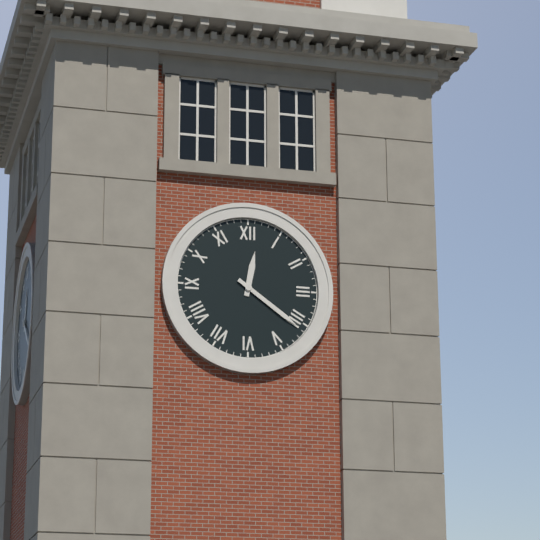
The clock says 12.21
